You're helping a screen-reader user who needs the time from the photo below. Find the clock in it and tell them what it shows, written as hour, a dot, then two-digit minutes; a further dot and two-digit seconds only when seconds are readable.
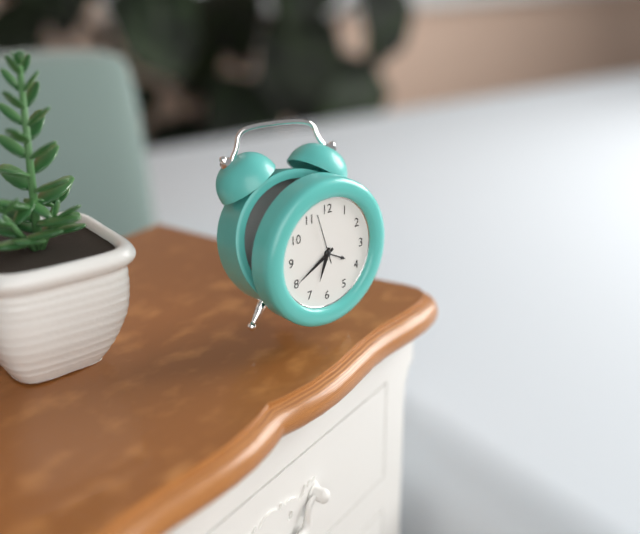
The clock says 6.40.57
